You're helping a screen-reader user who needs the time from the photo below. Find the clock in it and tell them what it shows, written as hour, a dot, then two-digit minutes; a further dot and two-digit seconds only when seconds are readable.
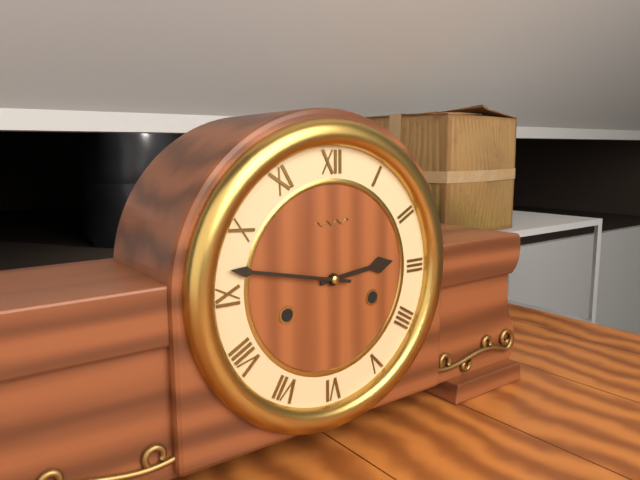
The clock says 2.47
